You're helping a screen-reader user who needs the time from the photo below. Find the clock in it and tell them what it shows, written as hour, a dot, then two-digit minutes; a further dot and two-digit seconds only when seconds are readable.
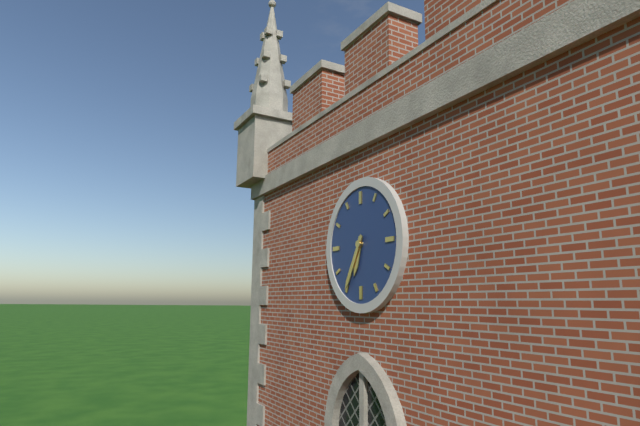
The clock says 6.35
